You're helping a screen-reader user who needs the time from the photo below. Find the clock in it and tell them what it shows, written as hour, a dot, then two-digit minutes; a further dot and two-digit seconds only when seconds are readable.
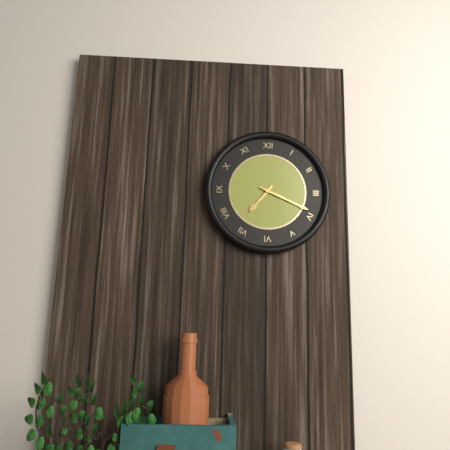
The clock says 7.19
